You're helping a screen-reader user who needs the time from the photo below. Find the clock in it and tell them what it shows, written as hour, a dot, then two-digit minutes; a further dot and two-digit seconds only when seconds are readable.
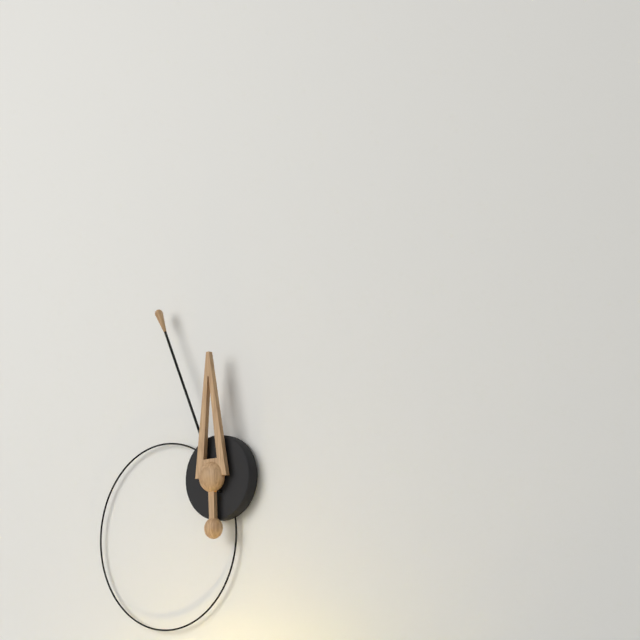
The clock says 11.56
